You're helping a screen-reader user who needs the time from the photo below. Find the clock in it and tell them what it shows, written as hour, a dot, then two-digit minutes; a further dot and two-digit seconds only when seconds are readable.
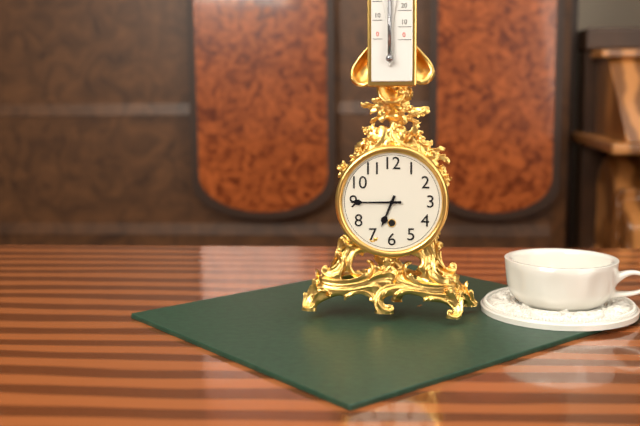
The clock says 6.45
